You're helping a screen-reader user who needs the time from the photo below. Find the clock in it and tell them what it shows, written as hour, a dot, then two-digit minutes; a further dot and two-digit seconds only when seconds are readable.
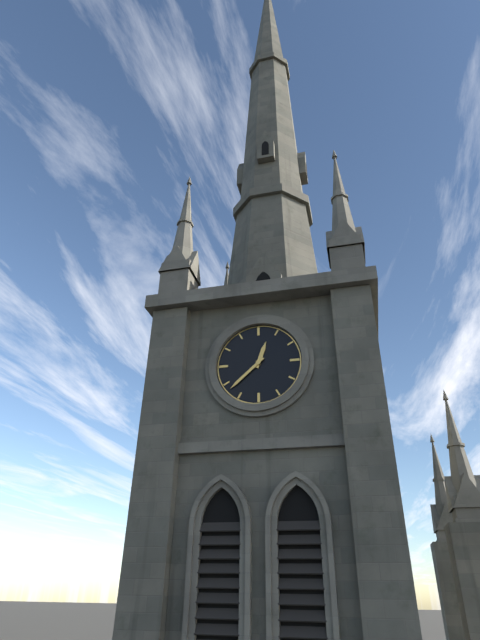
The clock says 12.38
